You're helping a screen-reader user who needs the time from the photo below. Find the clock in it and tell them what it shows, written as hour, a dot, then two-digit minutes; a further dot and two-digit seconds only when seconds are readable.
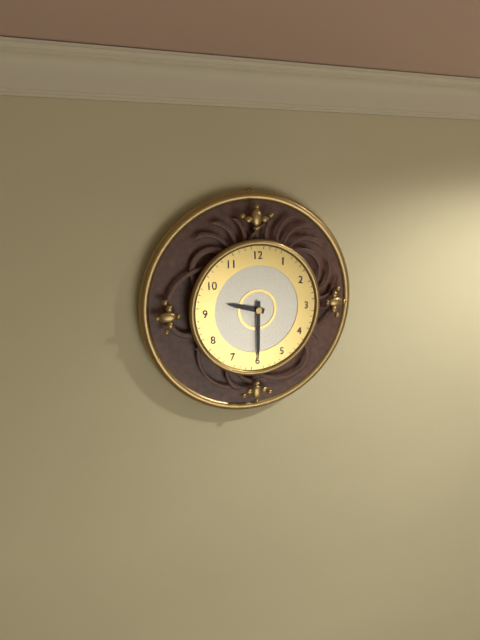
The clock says 9.30
